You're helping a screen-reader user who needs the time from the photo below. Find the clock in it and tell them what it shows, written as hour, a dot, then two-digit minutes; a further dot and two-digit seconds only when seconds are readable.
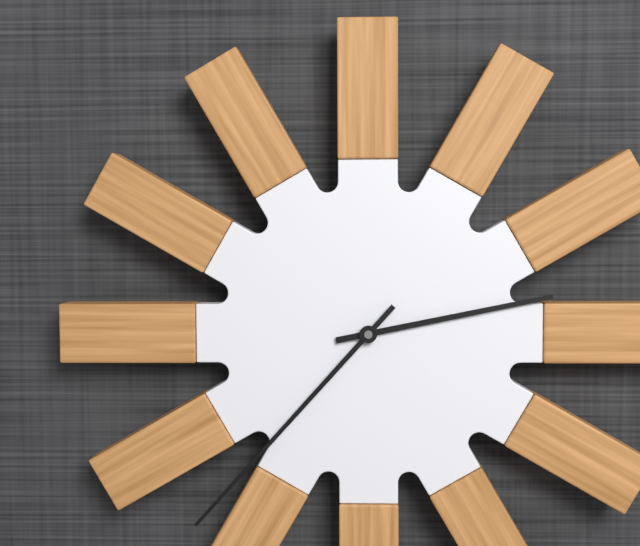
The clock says 2.37
